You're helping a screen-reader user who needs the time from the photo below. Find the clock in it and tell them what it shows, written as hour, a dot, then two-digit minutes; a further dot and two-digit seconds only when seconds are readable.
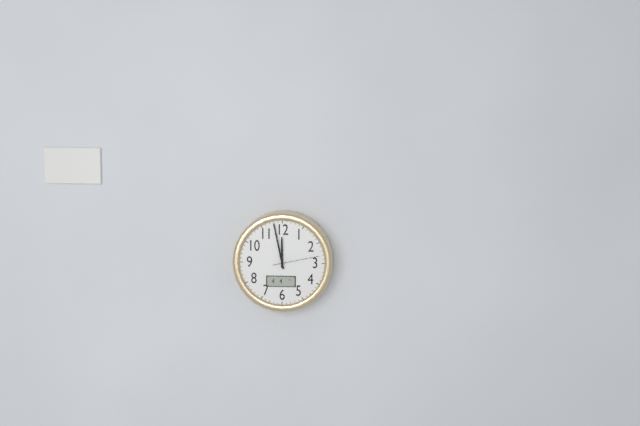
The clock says 11.58
